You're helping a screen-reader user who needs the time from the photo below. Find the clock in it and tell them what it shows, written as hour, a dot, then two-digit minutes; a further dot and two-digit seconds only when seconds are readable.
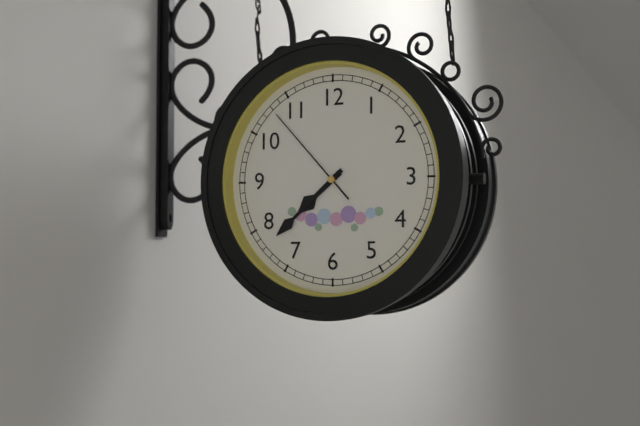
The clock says 7.38.53
